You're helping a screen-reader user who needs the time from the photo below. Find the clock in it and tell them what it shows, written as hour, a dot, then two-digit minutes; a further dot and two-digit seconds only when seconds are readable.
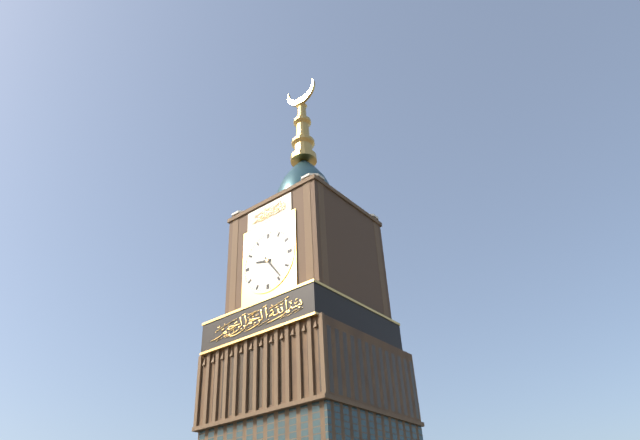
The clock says 9.24
